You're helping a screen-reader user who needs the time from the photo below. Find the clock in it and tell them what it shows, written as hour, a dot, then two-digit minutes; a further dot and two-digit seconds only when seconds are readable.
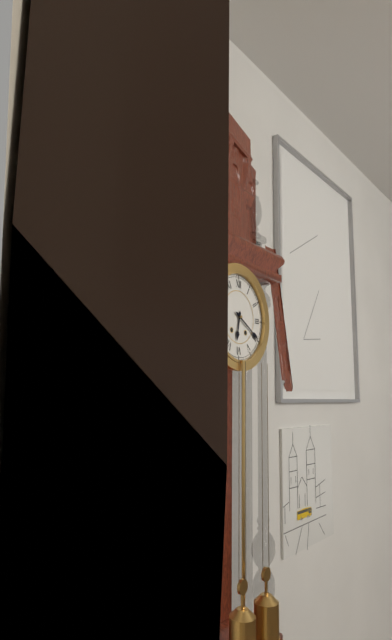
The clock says 6.20
